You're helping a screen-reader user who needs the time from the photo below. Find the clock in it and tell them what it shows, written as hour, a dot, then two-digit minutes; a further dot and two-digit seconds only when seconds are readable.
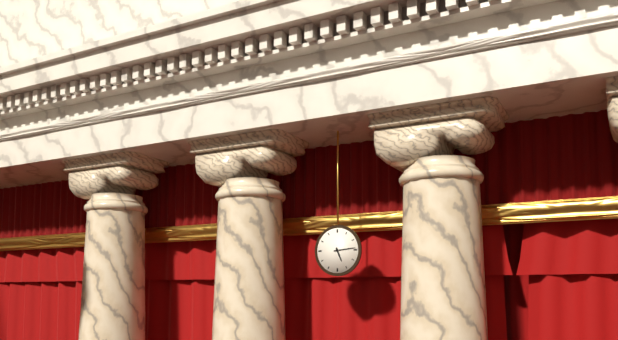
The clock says 5.14
